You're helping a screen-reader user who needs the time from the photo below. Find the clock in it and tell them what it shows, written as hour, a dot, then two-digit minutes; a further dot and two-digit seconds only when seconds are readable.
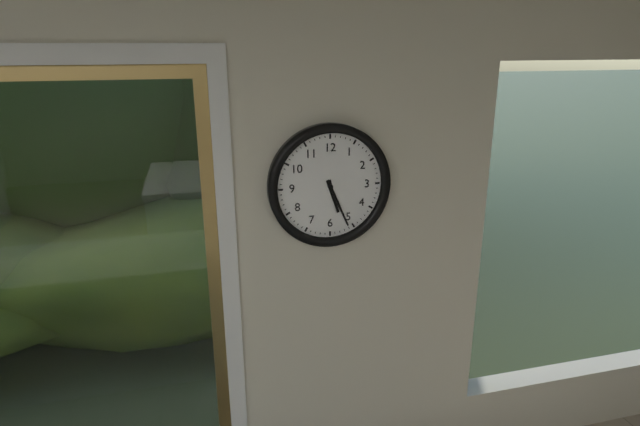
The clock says 5.26
